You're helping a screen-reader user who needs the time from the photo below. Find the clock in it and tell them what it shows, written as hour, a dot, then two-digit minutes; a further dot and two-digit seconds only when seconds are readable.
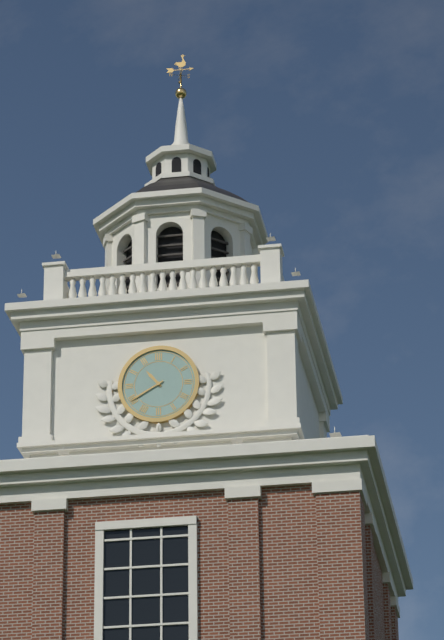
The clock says 10.40
